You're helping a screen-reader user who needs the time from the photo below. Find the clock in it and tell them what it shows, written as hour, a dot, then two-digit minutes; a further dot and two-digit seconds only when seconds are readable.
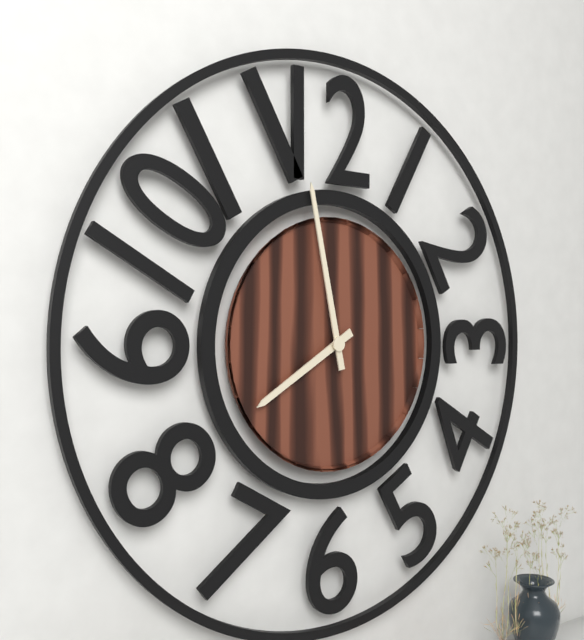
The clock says 7.58
